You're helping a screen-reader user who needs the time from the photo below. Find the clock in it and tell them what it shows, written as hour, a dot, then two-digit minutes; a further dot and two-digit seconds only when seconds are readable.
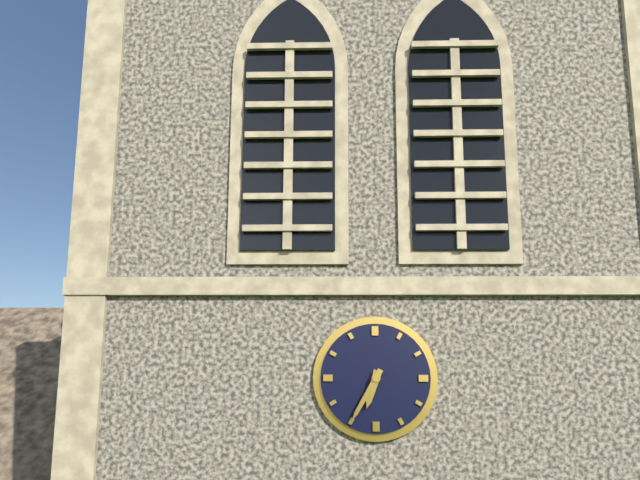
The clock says 6.35
